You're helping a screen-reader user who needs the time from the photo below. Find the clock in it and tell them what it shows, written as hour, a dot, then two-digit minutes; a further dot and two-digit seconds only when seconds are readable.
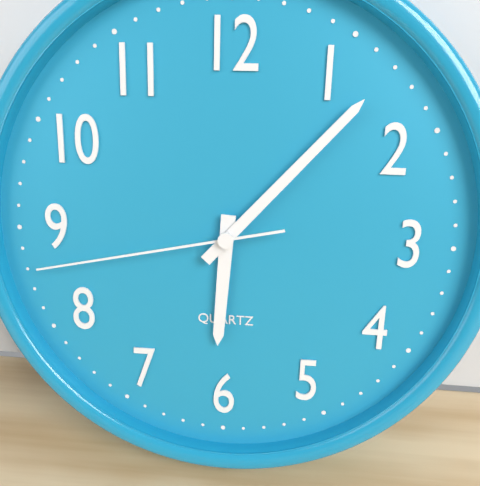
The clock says 6.07.43
